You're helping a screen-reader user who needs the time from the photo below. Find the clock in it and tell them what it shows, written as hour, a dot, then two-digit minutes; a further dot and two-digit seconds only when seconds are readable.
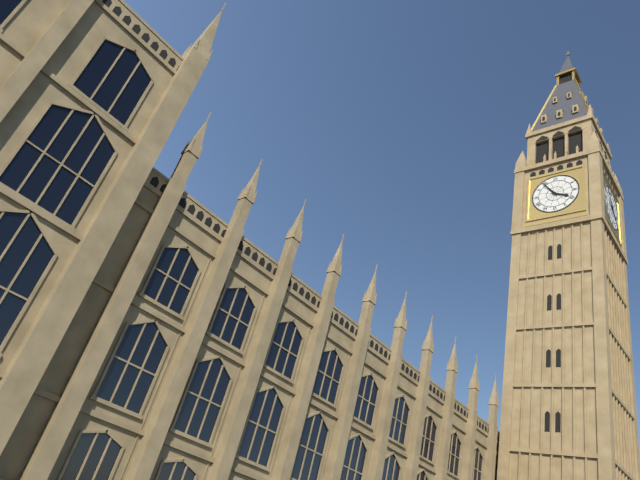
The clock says 3.54
